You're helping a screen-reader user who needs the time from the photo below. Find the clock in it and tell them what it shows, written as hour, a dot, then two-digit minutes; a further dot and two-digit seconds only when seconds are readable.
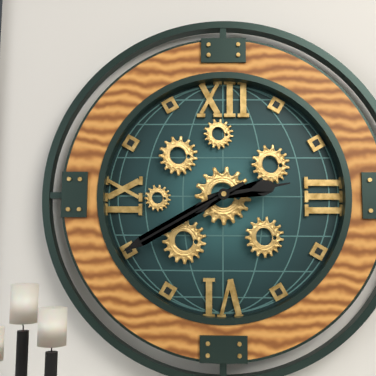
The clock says 2.40
